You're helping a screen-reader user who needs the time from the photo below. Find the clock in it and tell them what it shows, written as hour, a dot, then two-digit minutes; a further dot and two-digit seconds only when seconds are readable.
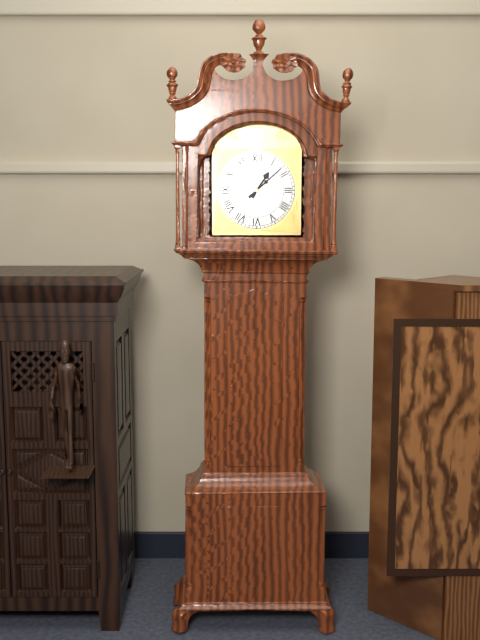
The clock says 1.08
